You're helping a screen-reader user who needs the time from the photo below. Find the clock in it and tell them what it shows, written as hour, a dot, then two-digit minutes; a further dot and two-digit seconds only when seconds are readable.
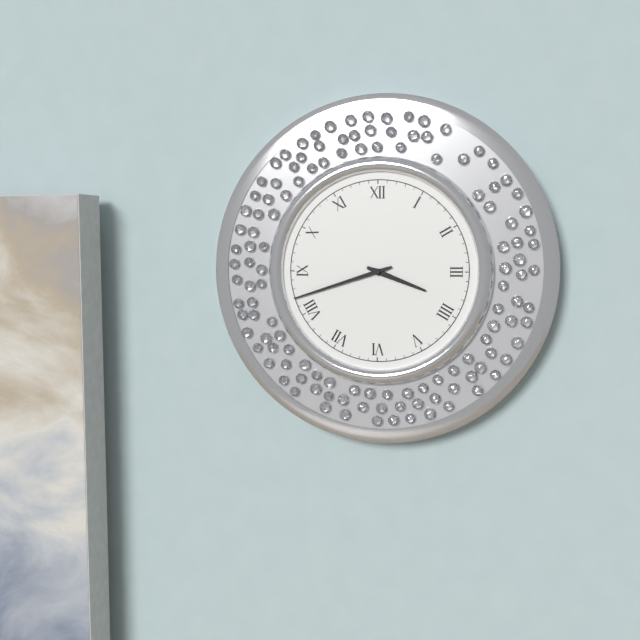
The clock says 3.42
